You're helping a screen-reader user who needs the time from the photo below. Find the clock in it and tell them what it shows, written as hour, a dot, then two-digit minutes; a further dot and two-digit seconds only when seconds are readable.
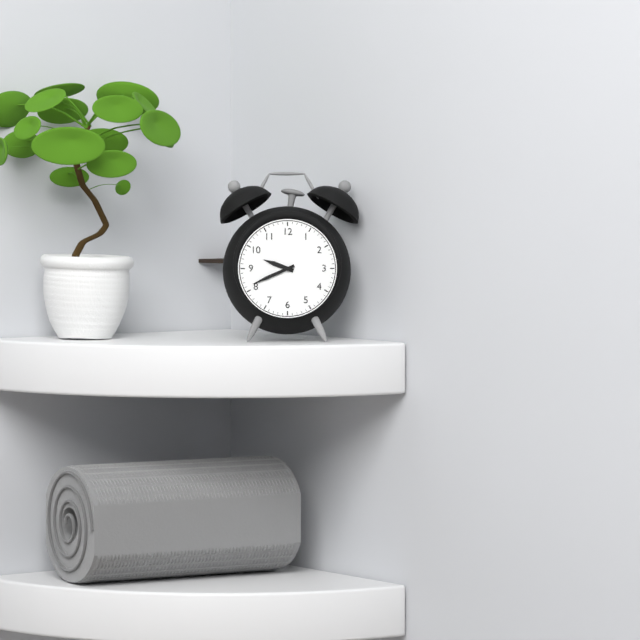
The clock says 9.41
